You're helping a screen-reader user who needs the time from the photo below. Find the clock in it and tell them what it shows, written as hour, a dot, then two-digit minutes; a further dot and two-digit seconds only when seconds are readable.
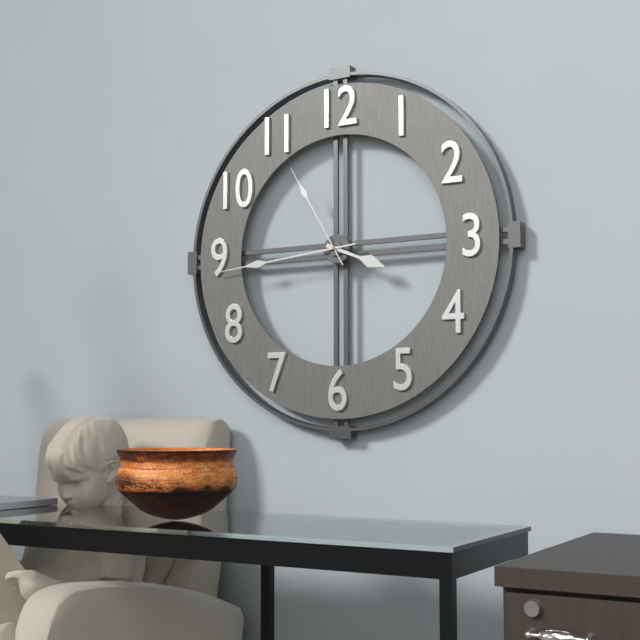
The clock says 3.44.55
